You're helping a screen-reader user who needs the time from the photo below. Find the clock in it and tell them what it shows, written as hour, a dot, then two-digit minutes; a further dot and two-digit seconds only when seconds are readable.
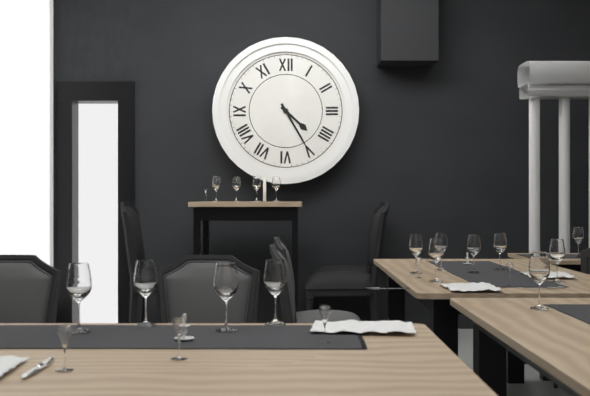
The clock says 4.25
